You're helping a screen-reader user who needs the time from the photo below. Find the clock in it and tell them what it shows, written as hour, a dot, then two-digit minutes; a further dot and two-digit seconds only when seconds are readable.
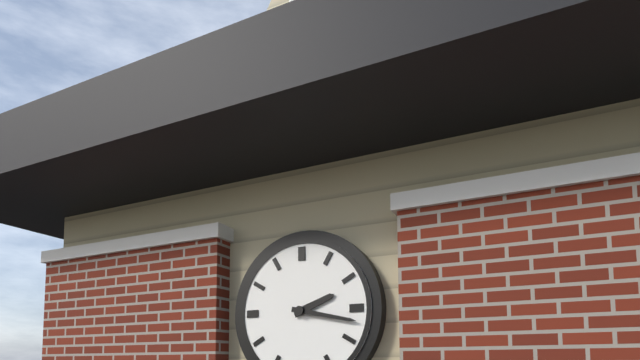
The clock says 2.17
